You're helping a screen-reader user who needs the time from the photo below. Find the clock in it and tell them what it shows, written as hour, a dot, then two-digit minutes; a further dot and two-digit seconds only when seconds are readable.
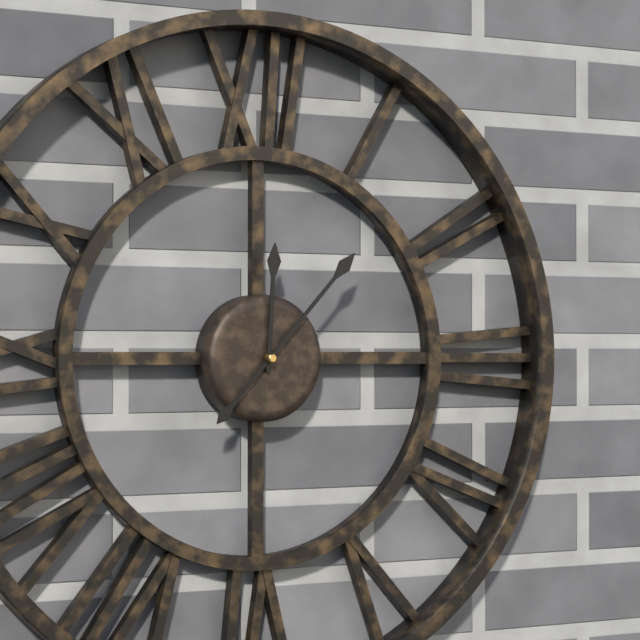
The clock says 12.07
